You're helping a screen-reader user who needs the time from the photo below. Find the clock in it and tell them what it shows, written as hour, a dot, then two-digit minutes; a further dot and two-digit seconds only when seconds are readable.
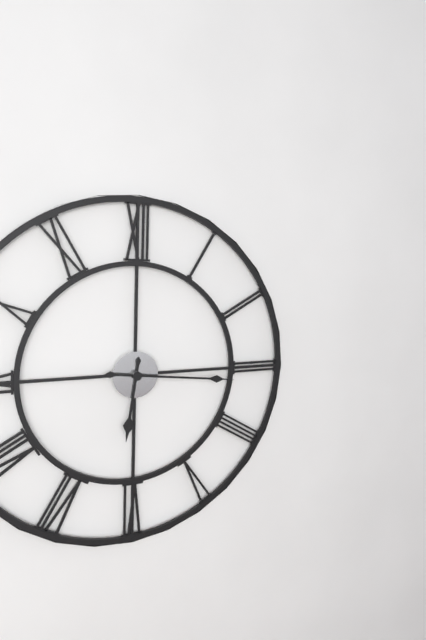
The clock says 6.16
